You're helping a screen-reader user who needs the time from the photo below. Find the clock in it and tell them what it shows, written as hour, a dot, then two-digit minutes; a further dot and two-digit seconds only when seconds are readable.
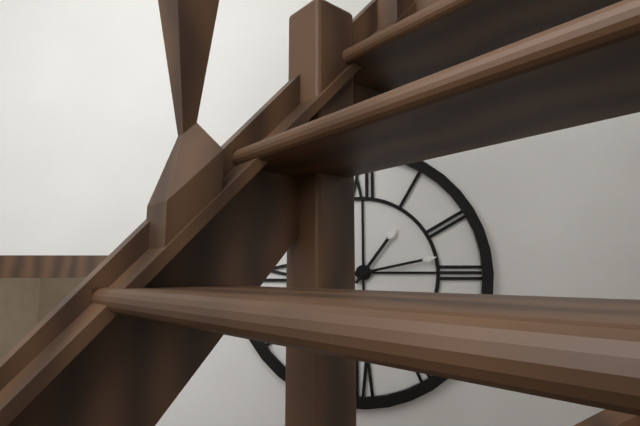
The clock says 1.13
